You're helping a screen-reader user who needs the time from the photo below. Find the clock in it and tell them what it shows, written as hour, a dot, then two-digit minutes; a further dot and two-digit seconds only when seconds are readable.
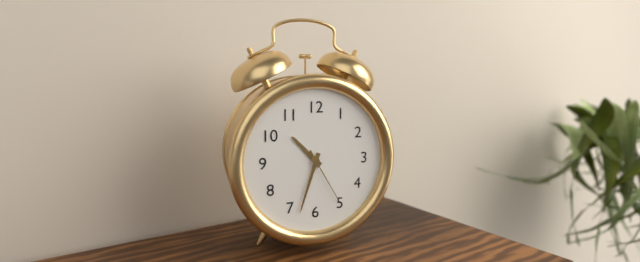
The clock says 10.33.25
